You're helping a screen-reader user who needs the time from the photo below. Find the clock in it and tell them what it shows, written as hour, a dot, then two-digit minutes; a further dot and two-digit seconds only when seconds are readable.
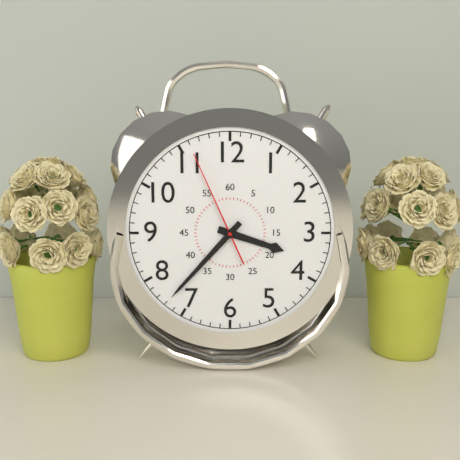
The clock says 3.37.56
